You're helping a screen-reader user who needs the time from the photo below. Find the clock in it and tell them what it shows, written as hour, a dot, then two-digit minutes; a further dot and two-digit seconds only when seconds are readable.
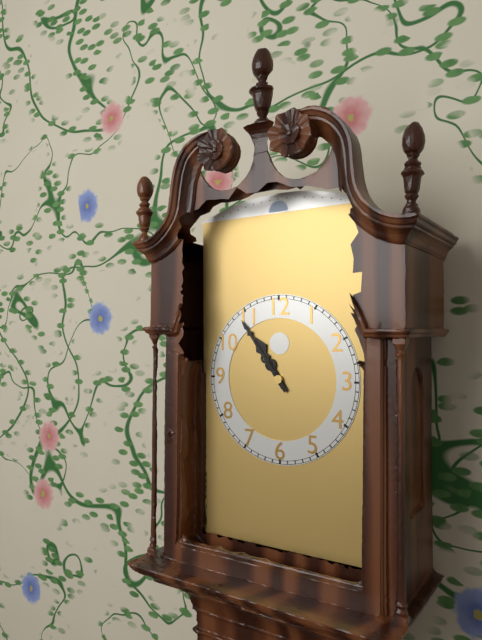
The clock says 10.54
